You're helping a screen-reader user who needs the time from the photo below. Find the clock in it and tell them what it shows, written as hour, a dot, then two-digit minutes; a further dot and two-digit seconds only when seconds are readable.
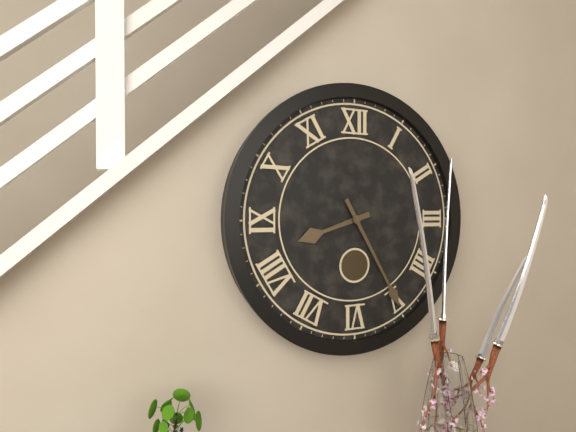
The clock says 8.25
